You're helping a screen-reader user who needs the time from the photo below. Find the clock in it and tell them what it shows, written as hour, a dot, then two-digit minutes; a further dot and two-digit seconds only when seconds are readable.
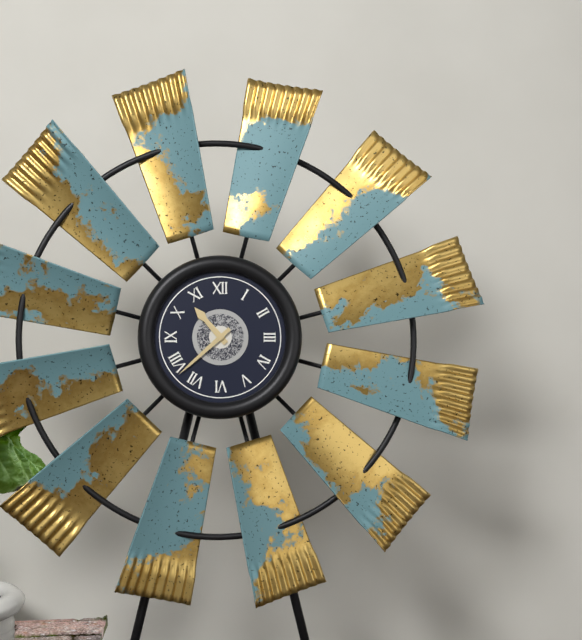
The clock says 10.38
